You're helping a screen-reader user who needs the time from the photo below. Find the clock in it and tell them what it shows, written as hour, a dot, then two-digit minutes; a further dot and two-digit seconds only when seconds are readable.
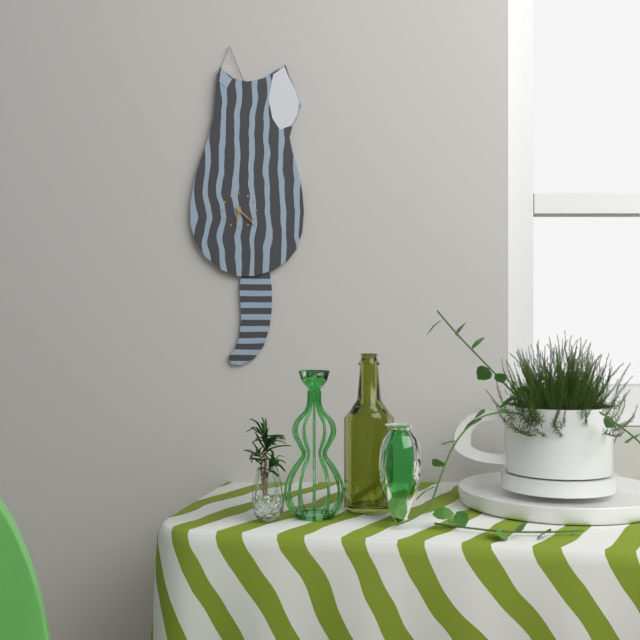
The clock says 6.22
